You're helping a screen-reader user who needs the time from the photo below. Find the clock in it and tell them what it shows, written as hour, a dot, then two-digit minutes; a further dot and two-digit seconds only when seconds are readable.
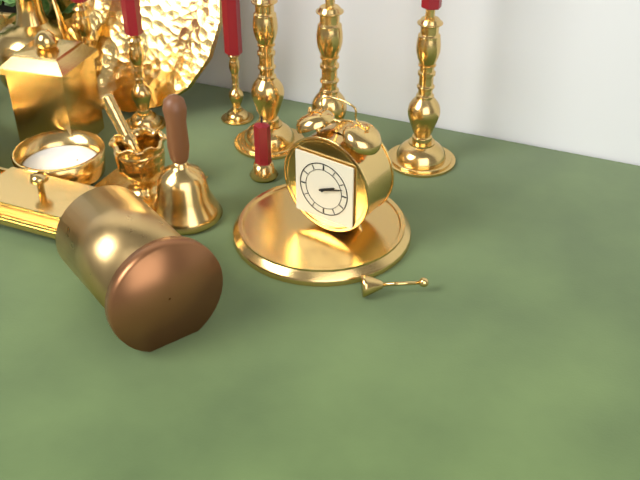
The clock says 2.12
